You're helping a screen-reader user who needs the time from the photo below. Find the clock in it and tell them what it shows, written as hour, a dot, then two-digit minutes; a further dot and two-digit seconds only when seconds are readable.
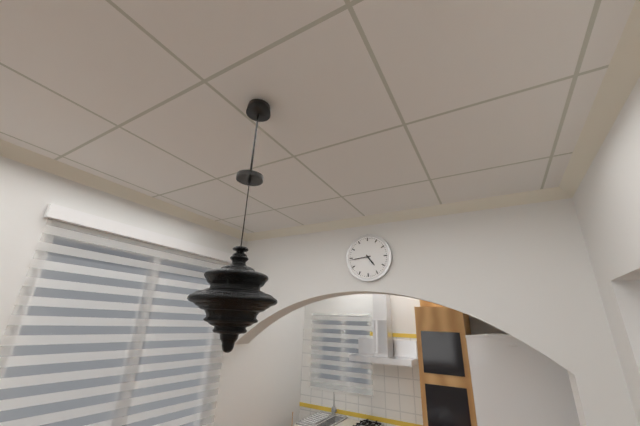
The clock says 4.44
